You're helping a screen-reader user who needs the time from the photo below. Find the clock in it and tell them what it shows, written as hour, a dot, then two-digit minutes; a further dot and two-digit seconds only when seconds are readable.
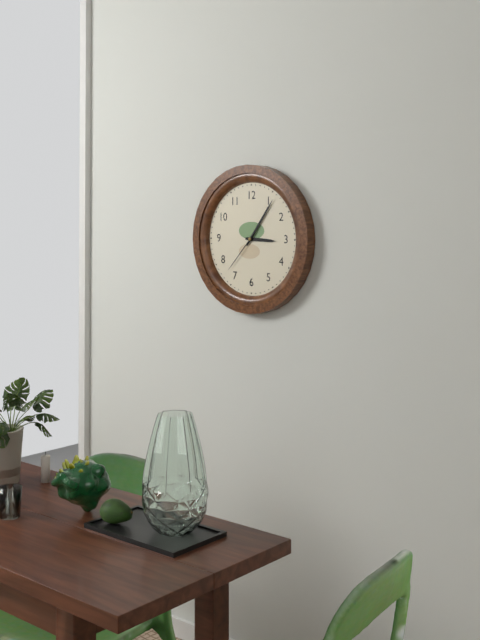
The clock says 3.06
